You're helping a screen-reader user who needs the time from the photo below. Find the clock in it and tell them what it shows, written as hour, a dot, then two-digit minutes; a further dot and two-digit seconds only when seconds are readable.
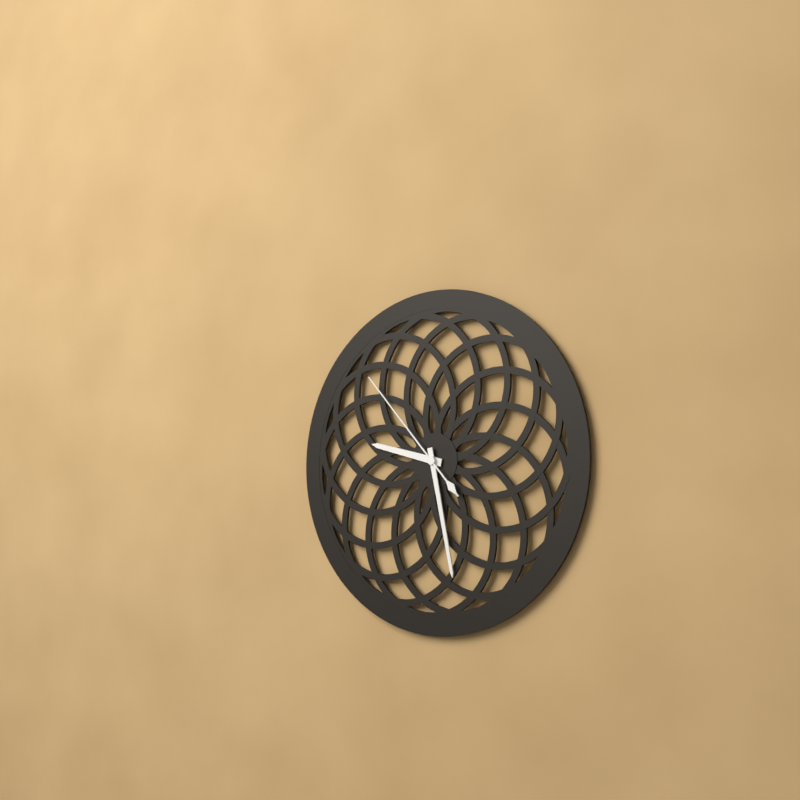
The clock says 9.28.53
